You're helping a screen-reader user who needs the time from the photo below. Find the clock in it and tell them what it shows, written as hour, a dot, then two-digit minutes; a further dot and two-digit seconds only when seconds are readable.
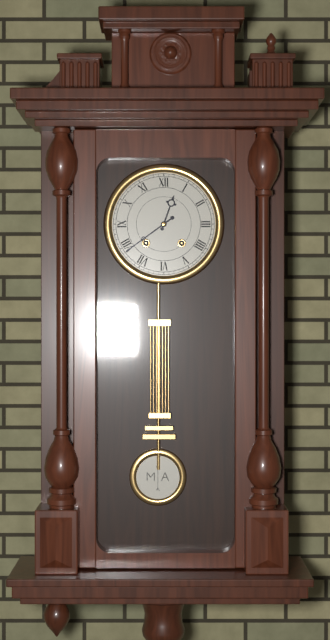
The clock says 12.39
